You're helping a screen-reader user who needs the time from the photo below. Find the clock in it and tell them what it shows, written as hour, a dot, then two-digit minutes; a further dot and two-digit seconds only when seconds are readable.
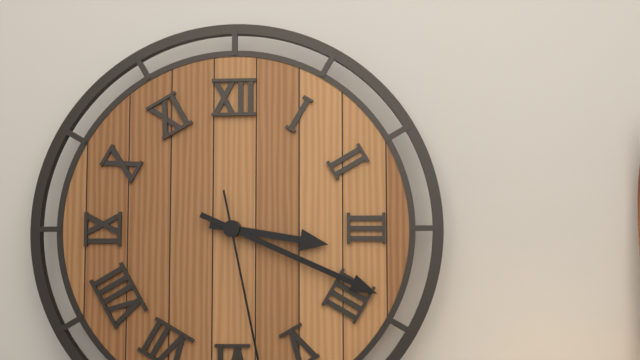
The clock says 3.19
